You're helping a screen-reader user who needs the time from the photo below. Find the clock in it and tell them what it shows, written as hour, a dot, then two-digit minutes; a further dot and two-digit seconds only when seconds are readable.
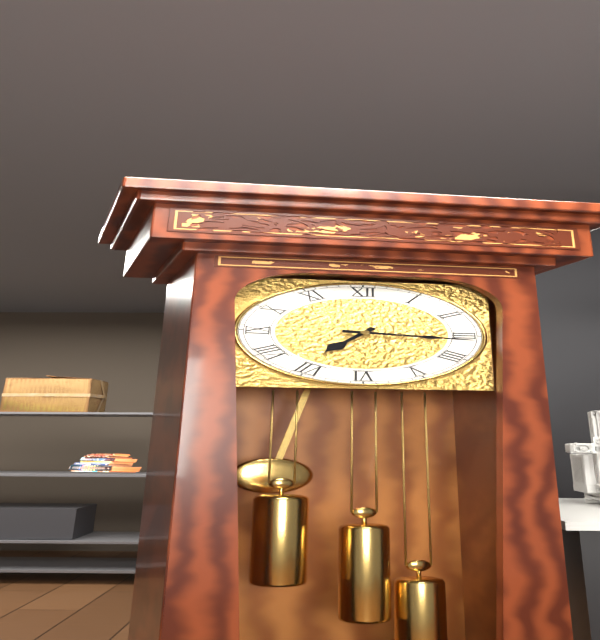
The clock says 7.16
